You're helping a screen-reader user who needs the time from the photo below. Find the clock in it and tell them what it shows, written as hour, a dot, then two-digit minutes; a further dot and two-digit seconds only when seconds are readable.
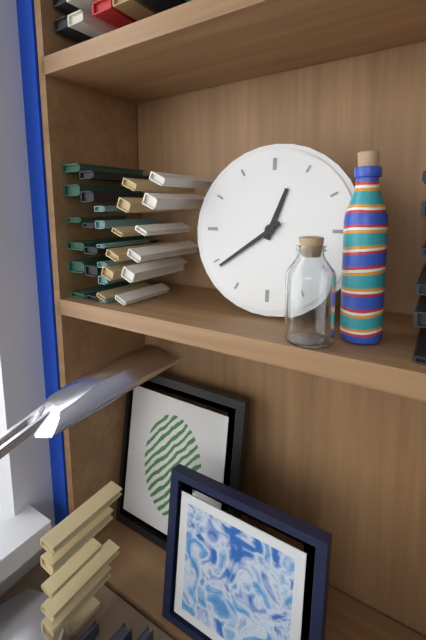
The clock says 12.39
